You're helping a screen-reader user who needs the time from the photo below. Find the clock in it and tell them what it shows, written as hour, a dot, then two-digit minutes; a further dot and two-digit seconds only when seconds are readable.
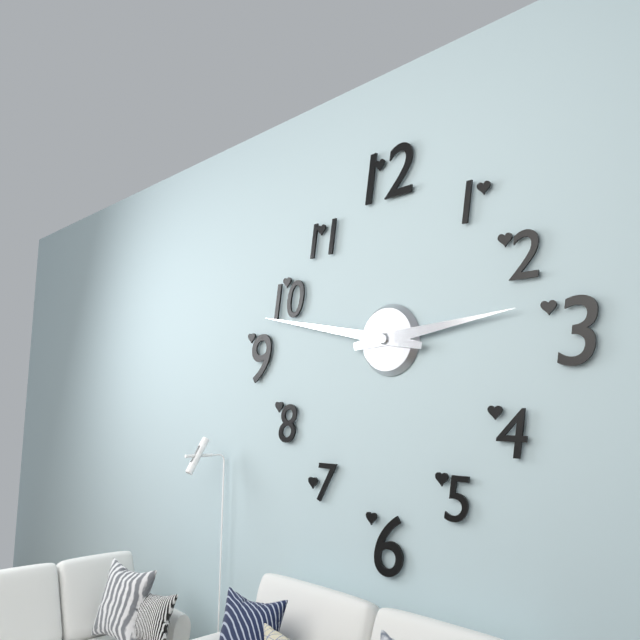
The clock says 2.47
